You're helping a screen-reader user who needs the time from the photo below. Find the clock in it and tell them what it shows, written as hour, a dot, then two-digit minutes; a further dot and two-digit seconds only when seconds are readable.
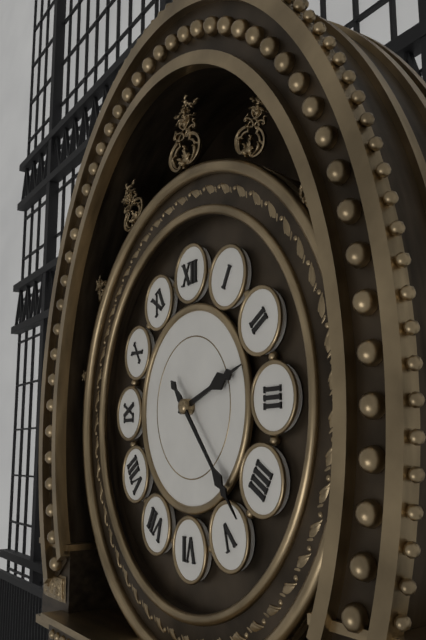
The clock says 2.23
